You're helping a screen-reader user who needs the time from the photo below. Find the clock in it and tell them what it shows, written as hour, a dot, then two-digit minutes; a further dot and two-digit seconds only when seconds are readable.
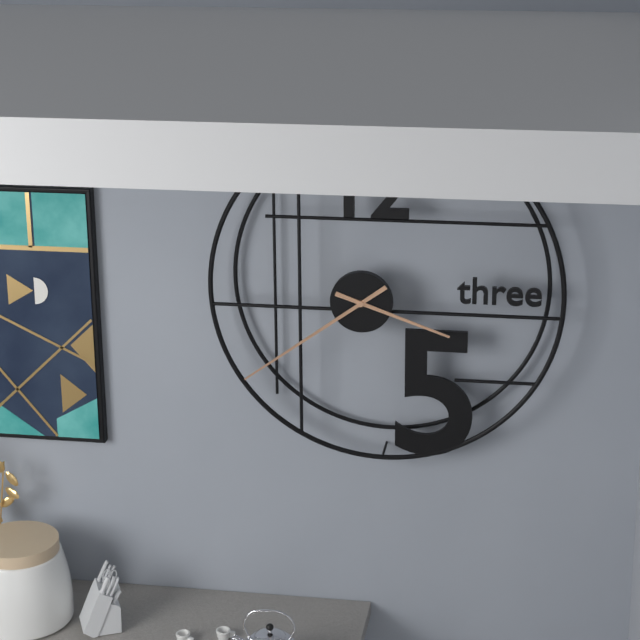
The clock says 3.39
